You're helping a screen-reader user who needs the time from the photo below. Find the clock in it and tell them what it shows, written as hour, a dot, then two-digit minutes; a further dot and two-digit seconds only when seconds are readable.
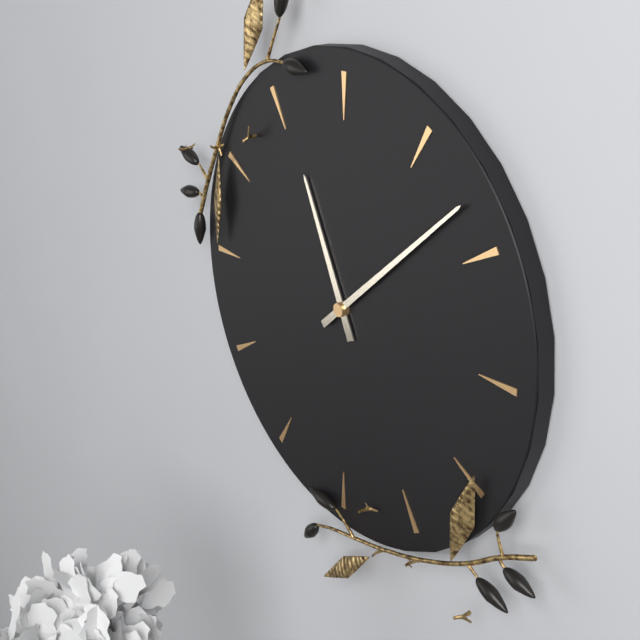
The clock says 11.08
